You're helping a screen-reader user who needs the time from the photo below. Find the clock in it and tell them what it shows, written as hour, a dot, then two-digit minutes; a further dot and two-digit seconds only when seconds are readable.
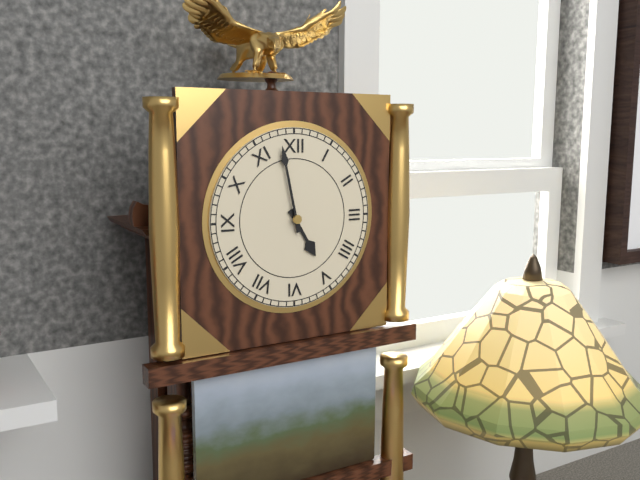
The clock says 4.58
